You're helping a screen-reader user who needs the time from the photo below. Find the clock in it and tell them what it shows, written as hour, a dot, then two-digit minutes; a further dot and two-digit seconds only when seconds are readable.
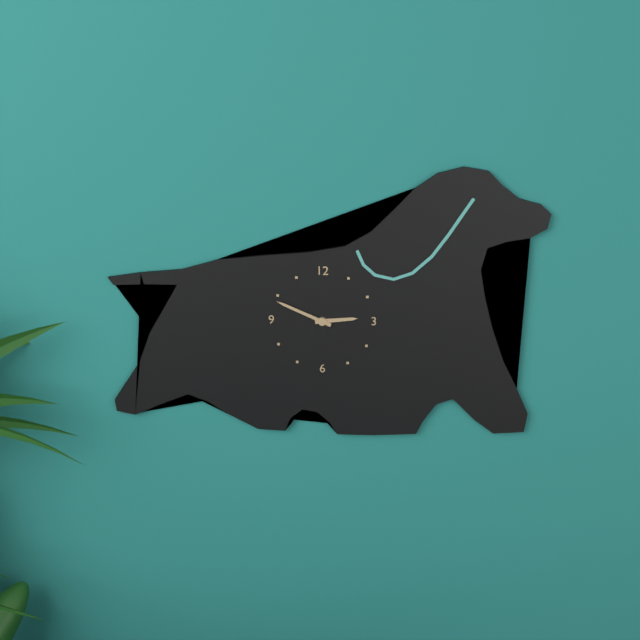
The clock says 2.49
